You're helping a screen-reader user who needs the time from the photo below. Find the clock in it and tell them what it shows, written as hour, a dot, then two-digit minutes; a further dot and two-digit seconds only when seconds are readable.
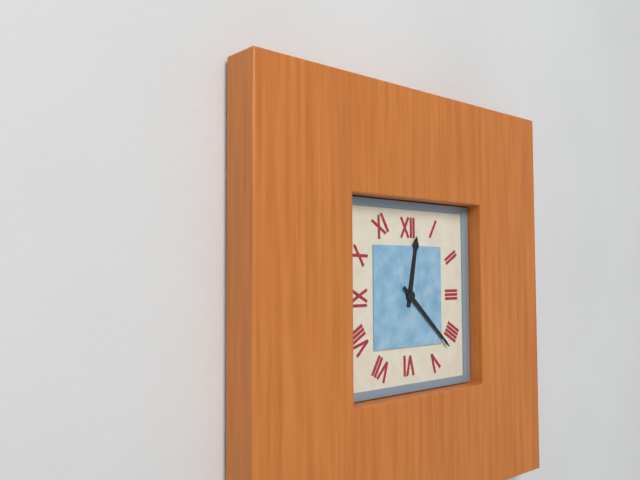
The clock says 12.22
